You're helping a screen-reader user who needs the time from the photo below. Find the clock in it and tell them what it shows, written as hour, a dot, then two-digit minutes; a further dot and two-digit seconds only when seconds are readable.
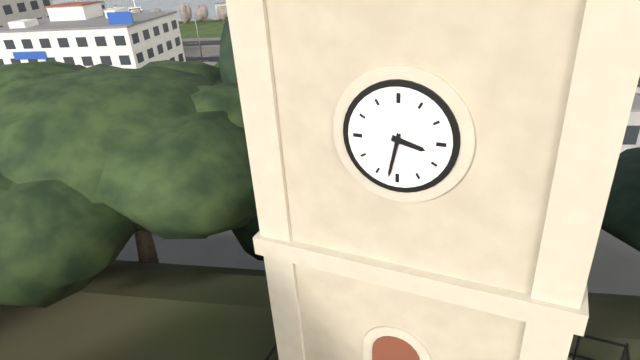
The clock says 3.32
